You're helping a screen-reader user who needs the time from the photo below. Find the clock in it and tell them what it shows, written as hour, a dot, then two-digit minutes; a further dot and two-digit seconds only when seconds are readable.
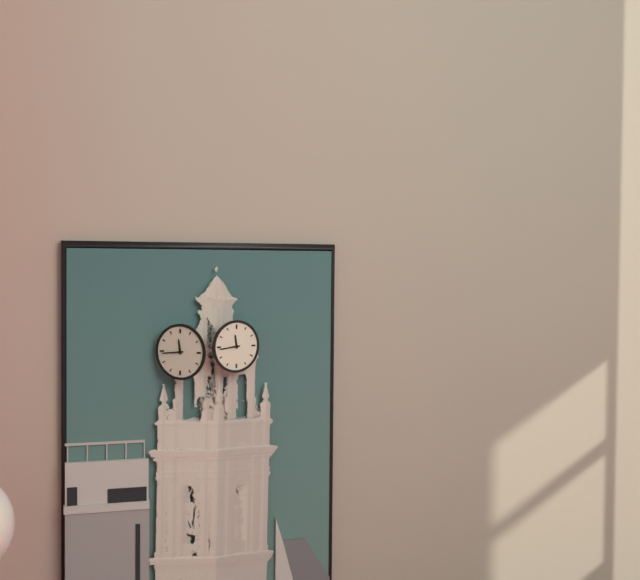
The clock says 11.44
